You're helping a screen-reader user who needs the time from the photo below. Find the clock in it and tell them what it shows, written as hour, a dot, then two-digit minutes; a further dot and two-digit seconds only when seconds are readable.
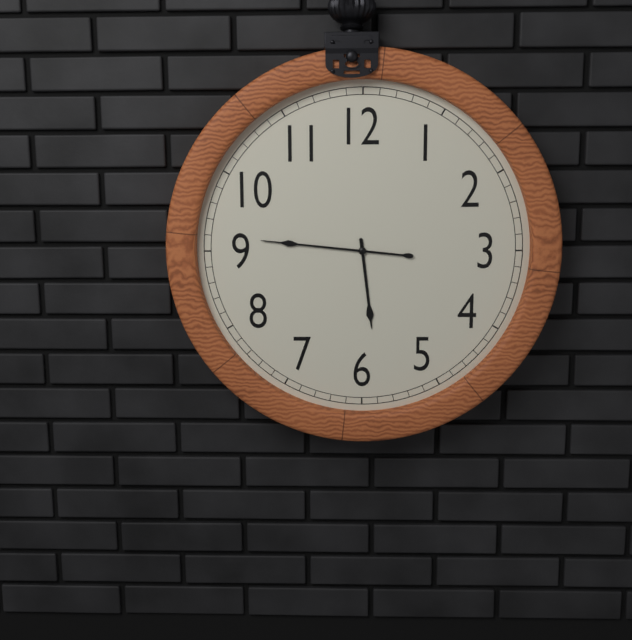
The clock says 5.46
